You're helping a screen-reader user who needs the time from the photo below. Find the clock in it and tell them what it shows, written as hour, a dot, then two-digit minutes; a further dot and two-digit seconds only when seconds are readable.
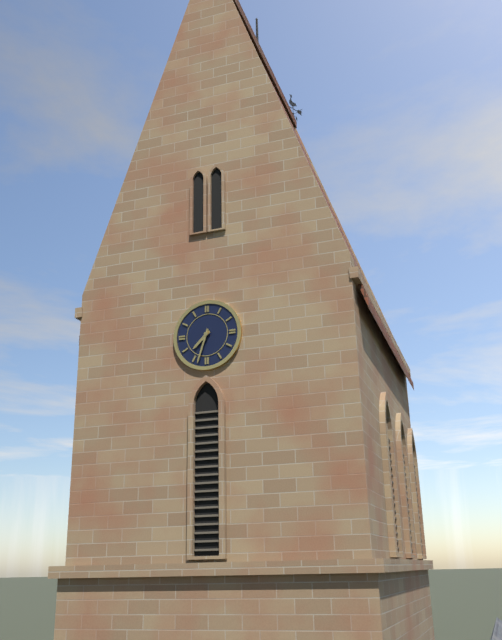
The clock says 7.33
